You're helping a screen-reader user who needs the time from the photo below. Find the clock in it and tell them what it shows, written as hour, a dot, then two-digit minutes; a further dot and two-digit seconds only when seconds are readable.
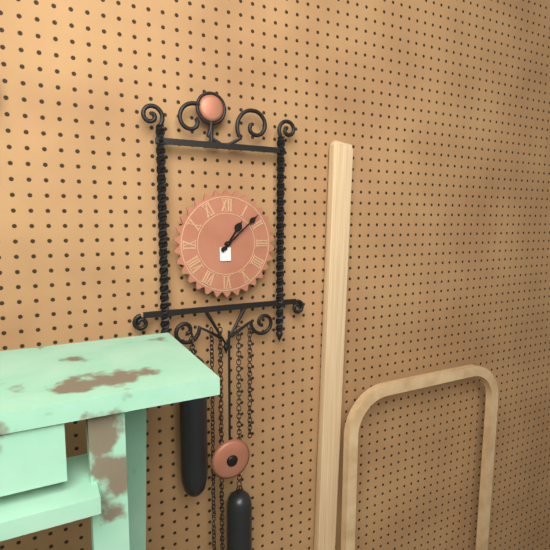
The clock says 1.08
